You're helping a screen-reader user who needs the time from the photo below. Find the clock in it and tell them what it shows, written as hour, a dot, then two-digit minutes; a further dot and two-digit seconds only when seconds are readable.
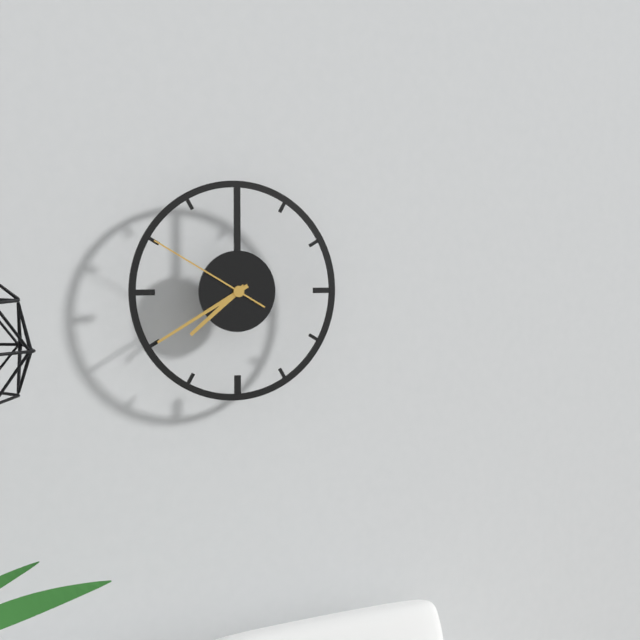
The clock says 7.40.50
